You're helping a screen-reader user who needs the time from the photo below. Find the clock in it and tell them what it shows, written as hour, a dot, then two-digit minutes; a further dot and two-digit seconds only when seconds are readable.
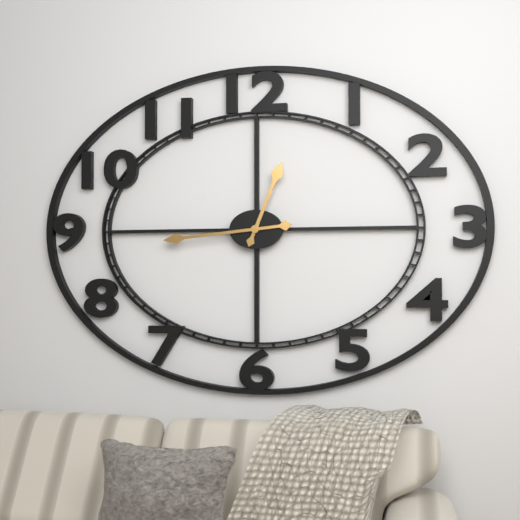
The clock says 12.44
